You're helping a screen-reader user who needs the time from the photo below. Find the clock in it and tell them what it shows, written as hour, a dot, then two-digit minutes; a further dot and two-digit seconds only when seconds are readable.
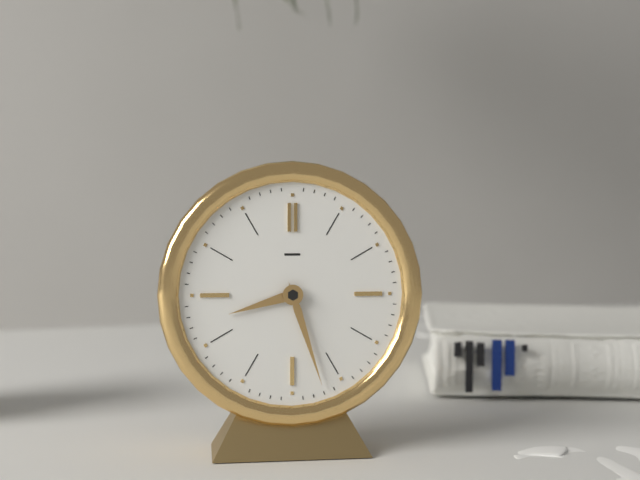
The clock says 8.27
